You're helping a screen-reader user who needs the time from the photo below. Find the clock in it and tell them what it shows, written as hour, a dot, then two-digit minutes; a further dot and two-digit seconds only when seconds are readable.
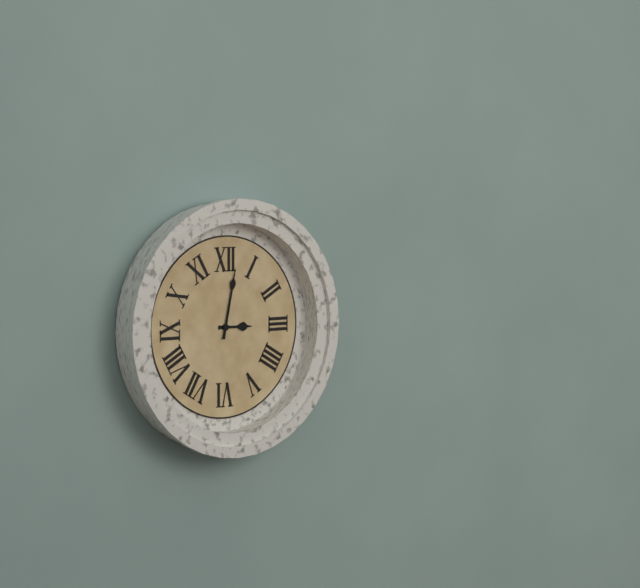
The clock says 3.02
